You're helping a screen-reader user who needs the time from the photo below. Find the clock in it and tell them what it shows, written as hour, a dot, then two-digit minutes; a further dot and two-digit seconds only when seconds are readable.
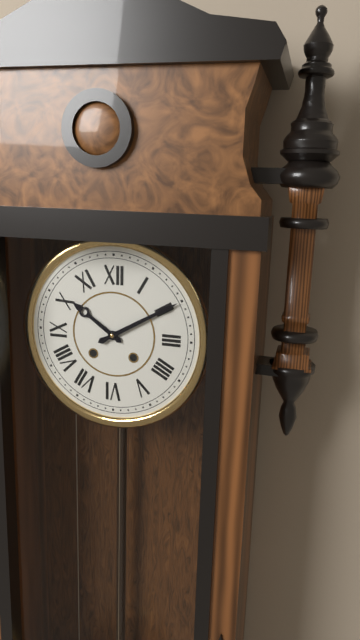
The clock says 10.10
